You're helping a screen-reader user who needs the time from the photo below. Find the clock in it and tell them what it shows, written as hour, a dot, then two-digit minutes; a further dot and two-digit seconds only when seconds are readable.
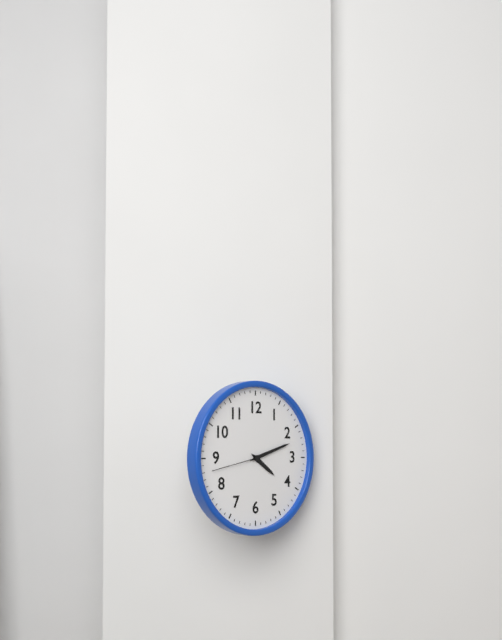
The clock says 4.12.43
